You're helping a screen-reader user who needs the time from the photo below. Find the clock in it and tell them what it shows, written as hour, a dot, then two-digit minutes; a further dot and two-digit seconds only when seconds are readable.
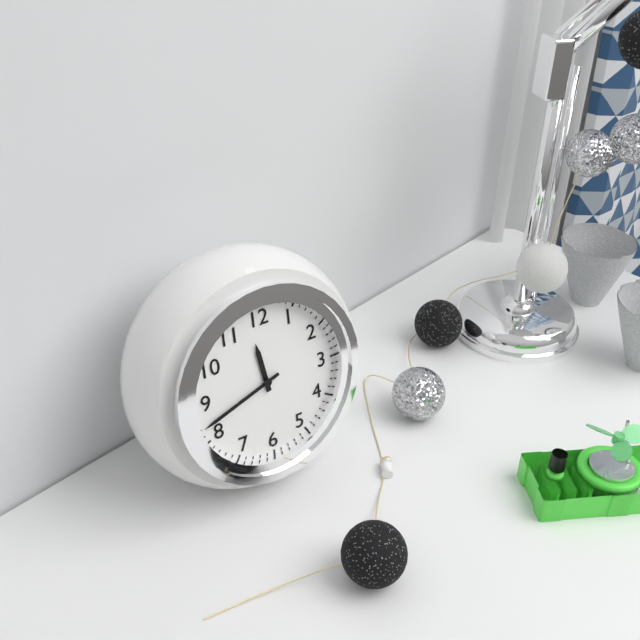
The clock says 11.42
